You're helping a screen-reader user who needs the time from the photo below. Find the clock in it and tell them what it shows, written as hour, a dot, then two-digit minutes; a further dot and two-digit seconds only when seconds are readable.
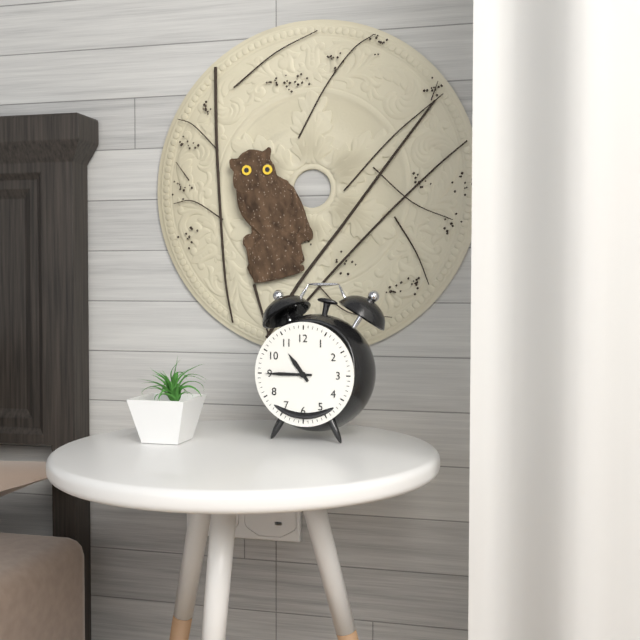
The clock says 10.45
